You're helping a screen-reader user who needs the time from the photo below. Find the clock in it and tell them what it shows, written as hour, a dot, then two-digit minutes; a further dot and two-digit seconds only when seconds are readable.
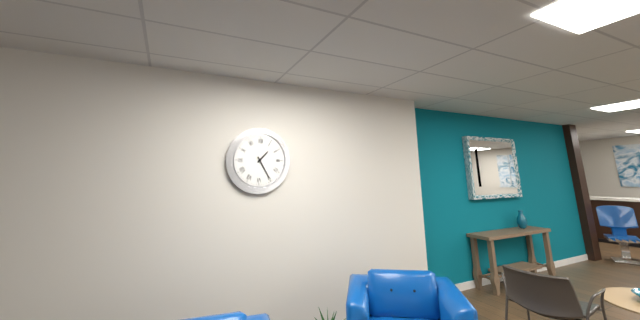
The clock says 1.25
